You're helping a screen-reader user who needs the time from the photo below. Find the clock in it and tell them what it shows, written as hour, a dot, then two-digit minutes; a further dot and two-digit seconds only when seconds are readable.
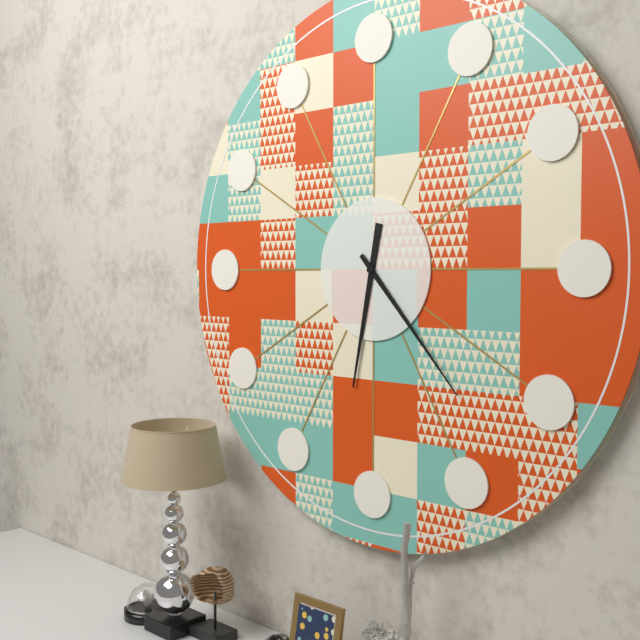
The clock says 6.23
